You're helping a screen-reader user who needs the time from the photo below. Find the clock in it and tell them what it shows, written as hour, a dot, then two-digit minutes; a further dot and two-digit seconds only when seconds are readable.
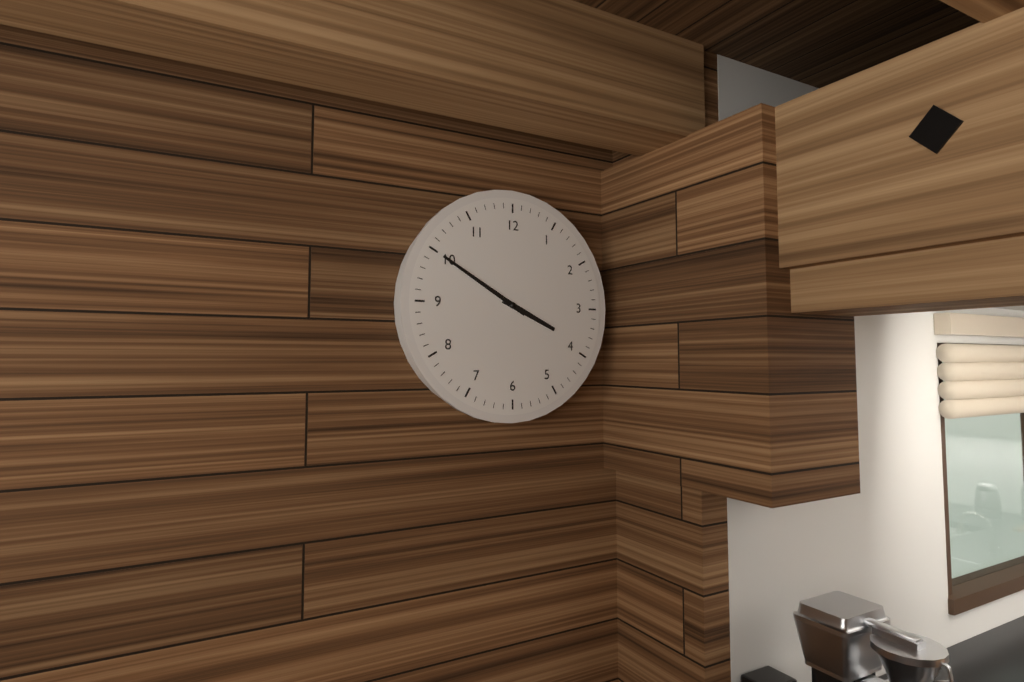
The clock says 3.50
